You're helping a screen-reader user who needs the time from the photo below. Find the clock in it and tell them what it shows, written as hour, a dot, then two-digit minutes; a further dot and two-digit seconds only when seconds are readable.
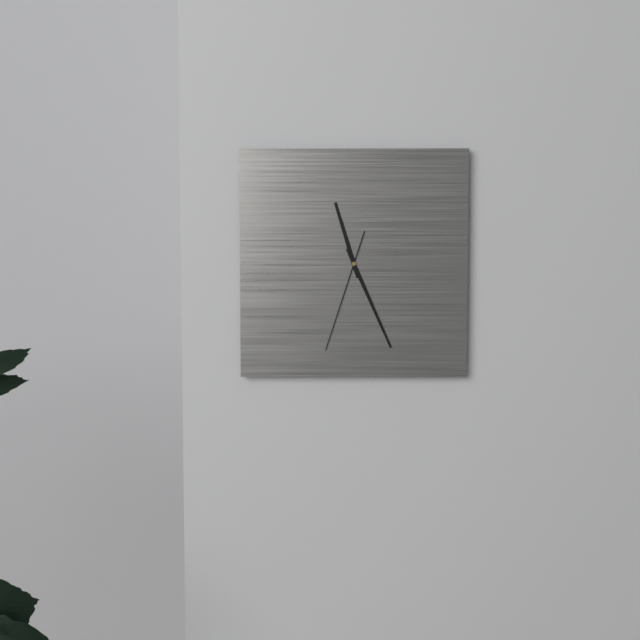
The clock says 11.26.33
